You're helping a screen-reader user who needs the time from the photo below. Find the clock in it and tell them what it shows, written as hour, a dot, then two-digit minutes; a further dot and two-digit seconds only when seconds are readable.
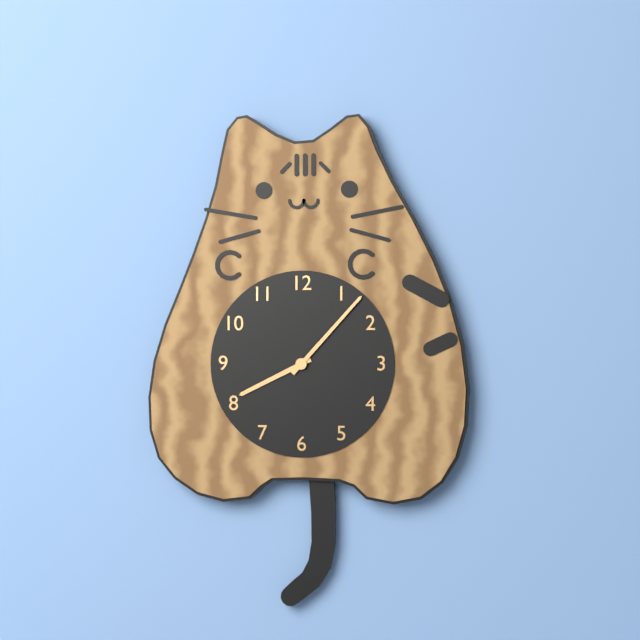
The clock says 8.07
